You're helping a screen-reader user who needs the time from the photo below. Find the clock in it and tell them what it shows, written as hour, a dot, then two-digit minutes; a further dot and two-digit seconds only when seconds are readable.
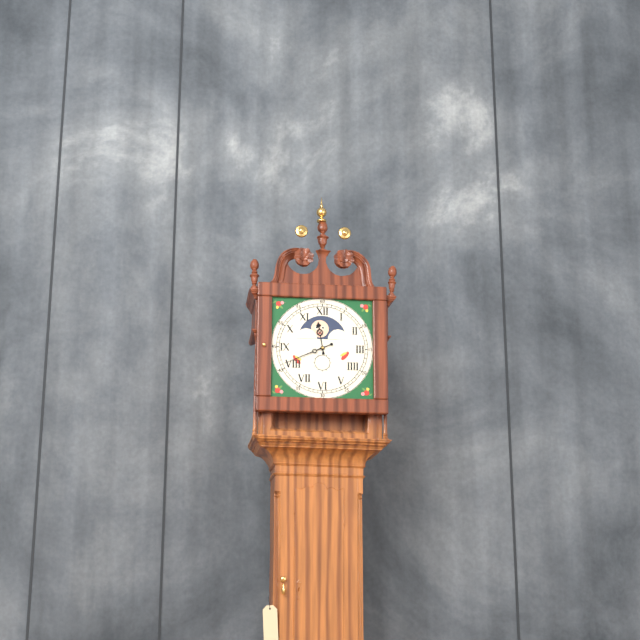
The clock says 11.41
